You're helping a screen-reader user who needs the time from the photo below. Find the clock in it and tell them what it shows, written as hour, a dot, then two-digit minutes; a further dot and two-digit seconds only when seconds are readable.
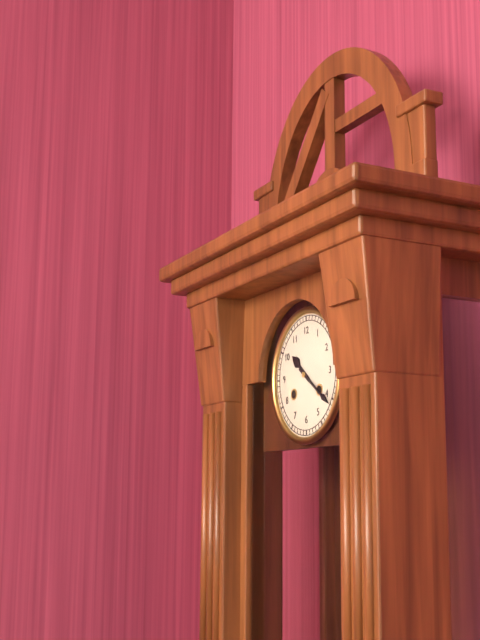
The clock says 10.21
